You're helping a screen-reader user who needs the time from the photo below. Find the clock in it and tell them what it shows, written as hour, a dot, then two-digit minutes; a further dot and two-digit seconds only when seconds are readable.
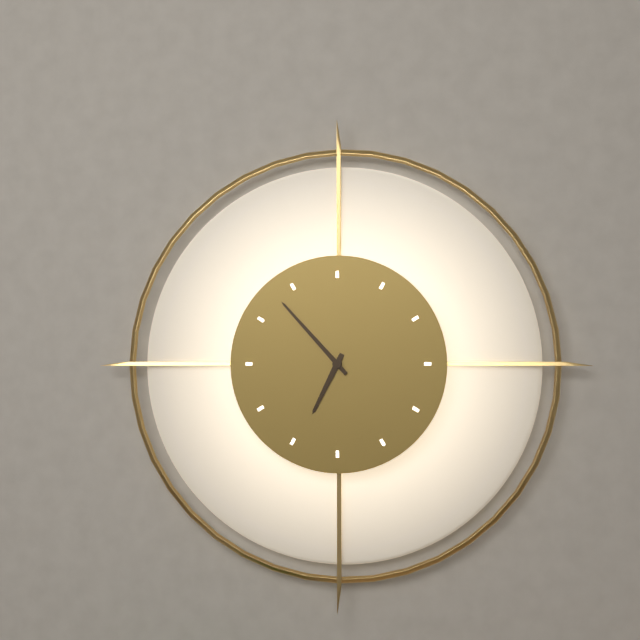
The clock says 6.53
